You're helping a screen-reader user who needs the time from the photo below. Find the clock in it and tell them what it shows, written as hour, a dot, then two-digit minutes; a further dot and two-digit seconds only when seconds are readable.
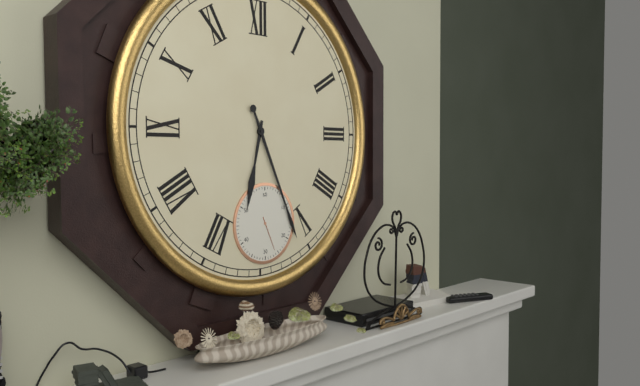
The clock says 6.26
